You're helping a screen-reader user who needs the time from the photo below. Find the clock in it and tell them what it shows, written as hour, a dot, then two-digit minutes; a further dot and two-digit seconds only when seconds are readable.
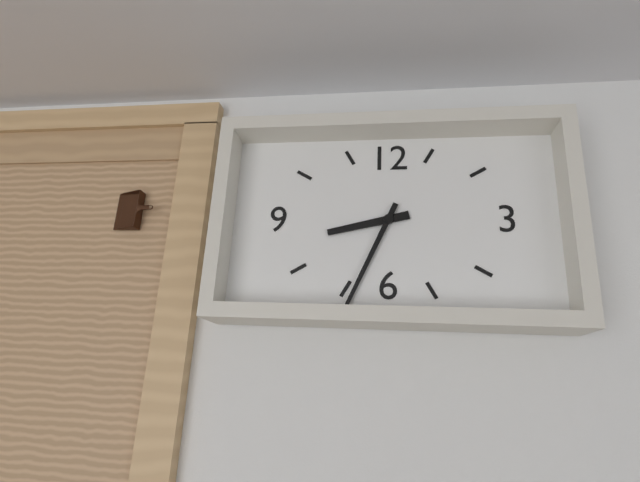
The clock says 8.34
